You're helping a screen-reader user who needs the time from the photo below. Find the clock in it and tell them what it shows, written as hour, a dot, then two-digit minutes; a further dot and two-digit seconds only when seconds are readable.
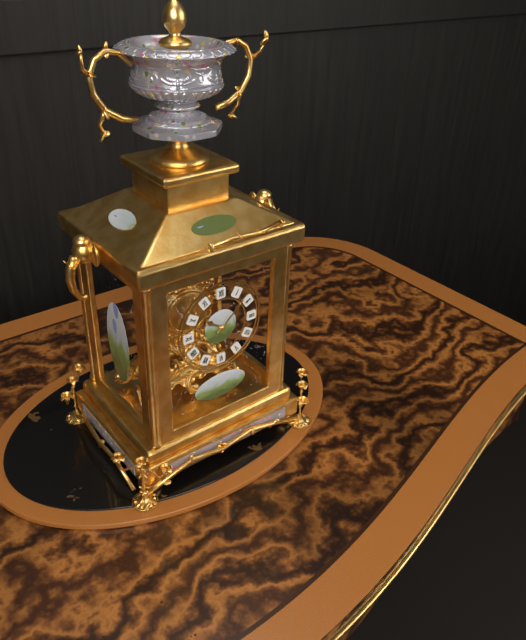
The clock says 10.08
